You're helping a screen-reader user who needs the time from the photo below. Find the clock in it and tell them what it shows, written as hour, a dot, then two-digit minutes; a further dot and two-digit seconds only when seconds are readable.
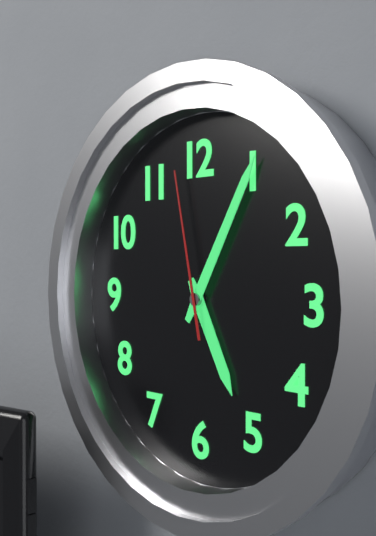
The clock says 5.05.58
